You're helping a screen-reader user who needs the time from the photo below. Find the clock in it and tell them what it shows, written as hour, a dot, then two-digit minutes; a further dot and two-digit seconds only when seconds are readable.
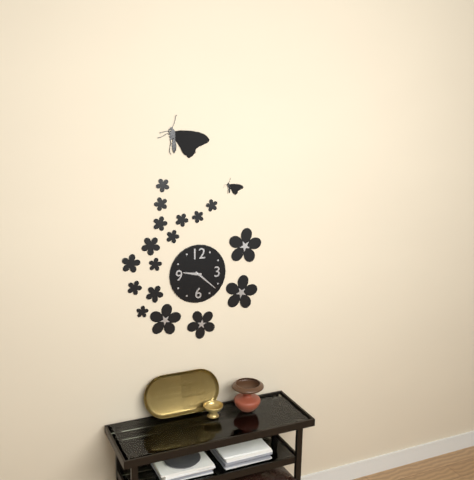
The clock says 9.22
